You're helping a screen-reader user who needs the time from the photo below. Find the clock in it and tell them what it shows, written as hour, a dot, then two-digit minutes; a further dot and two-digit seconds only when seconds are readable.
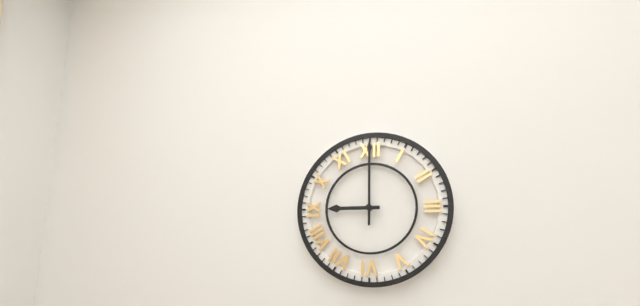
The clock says 9.00
